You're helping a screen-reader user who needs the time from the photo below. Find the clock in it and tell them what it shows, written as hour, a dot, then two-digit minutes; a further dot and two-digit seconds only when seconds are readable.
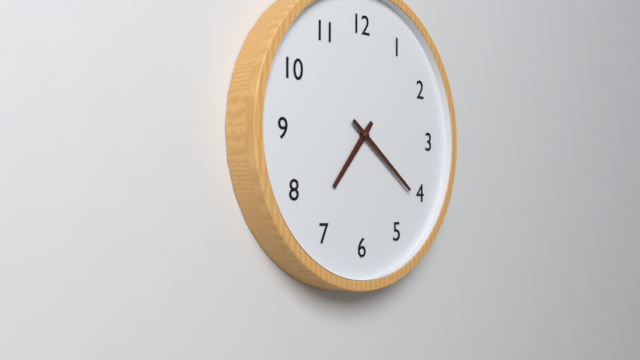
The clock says 7.21
